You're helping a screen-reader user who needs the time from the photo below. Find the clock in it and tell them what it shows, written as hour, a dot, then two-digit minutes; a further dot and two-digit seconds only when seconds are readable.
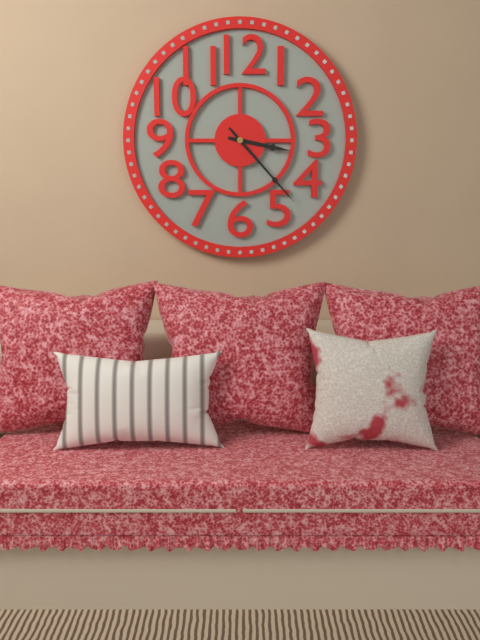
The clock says 3.23
